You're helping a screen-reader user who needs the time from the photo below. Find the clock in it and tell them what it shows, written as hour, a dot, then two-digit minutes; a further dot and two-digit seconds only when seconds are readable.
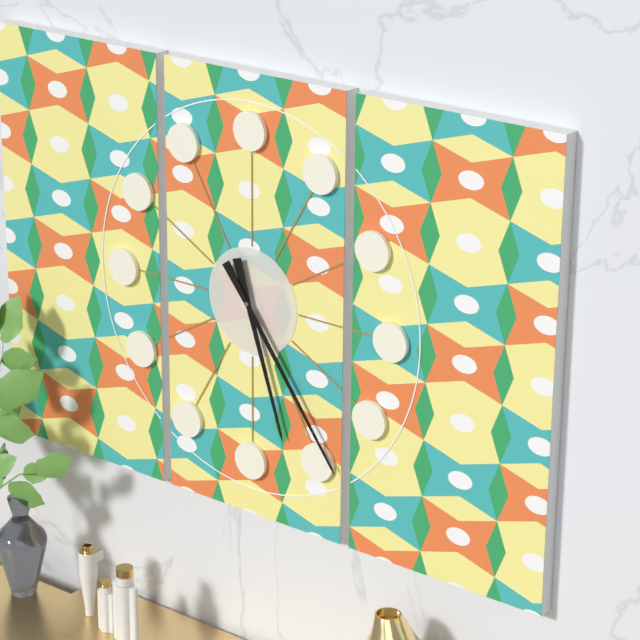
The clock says 5.24
